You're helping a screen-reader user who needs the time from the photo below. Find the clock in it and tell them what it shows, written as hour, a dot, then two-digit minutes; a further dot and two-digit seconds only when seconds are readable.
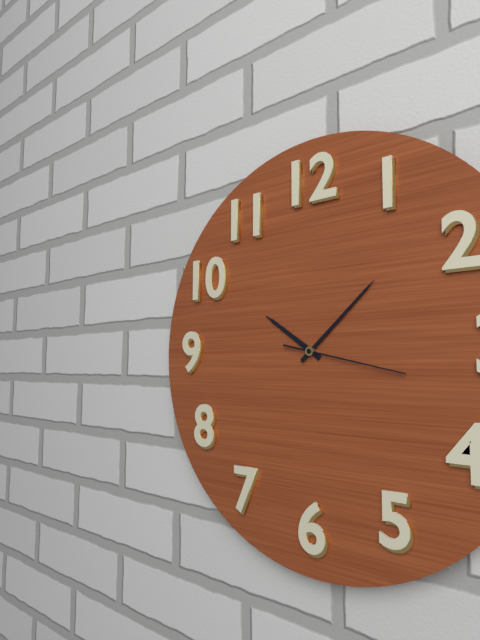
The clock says 10.08.17
